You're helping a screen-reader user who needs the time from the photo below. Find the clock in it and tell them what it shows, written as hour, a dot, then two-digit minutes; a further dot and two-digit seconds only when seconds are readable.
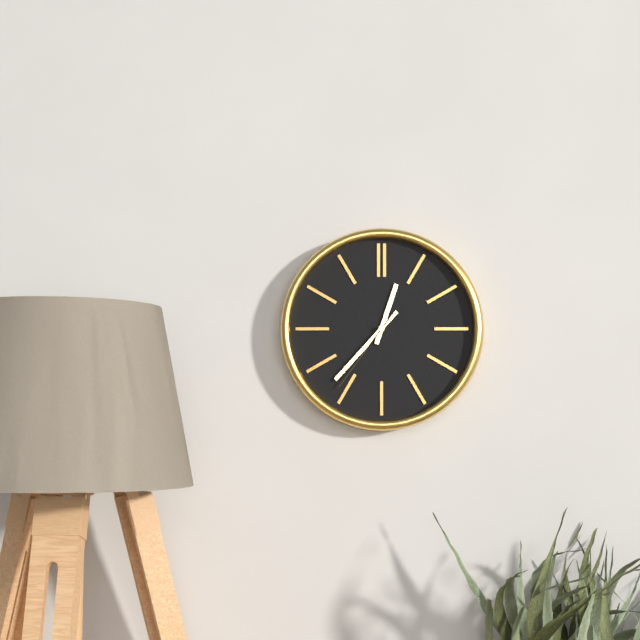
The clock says 12.37.36
